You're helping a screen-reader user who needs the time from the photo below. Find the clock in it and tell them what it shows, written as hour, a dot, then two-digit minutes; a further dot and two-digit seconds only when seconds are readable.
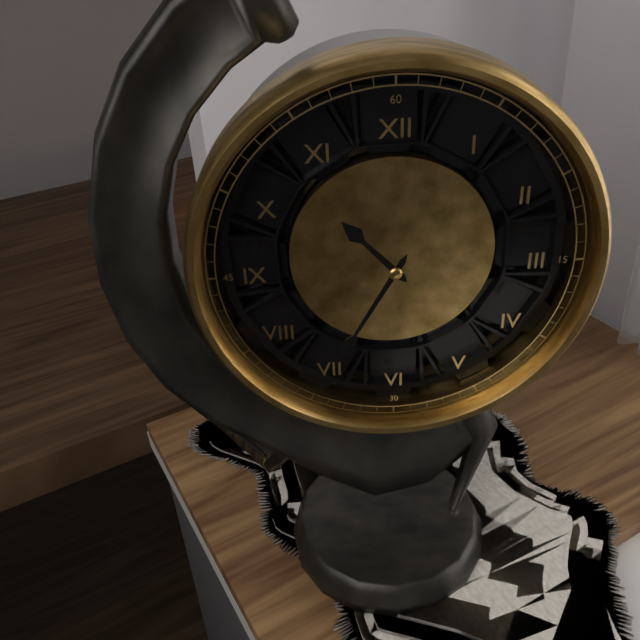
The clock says 10.35
